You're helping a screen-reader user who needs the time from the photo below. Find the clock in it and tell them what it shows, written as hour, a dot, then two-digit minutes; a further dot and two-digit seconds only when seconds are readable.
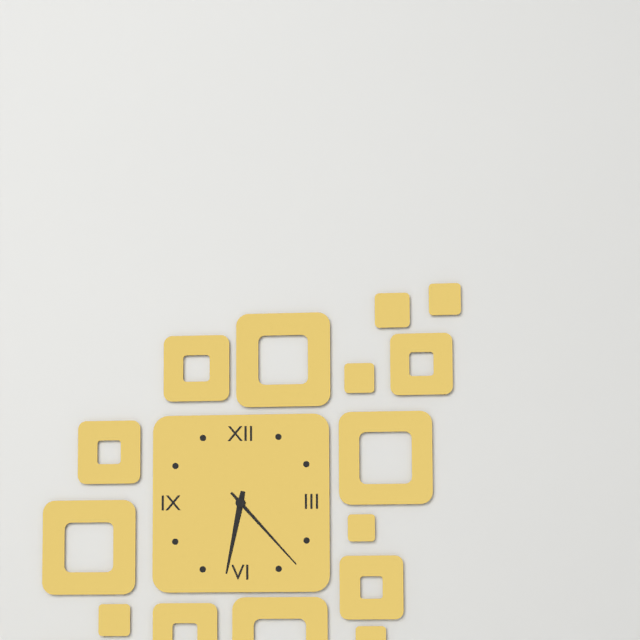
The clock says 6.23
